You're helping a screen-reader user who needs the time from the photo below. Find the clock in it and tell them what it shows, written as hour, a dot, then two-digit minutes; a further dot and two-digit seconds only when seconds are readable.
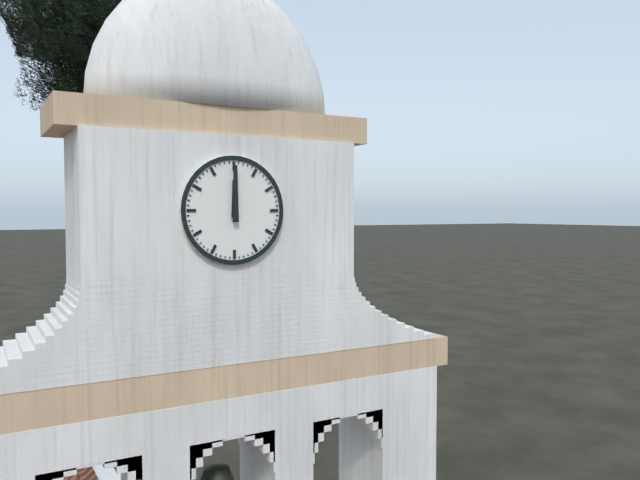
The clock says 12.00
